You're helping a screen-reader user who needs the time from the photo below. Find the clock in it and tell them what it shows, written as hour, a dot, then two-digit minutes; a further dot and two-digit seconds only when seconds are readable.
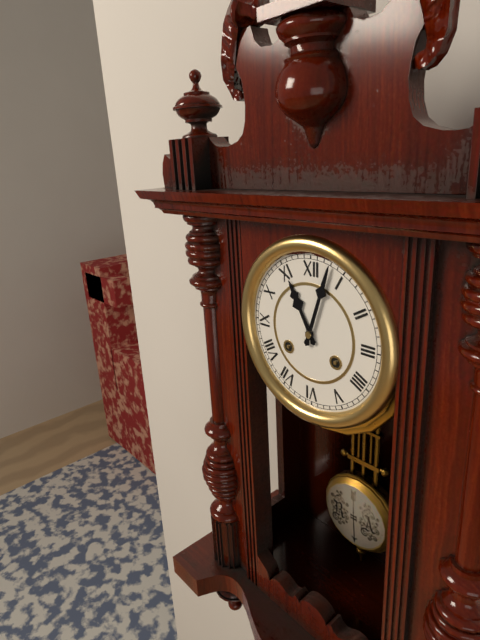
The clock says 11.03
